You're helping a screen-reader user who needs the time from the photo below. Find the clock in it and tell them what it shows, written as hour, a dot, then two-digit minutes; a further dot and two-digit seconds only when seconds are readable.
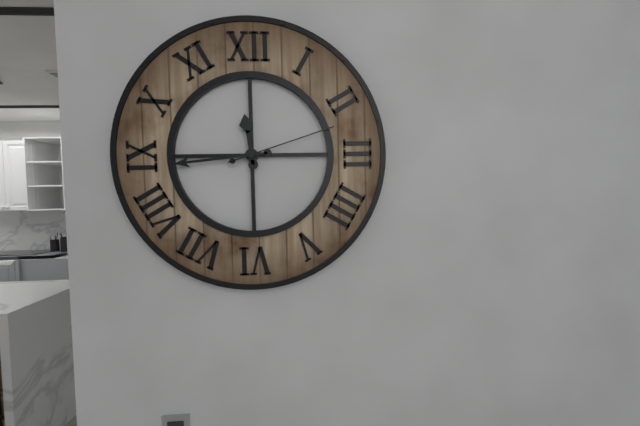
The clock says 11.44.12
